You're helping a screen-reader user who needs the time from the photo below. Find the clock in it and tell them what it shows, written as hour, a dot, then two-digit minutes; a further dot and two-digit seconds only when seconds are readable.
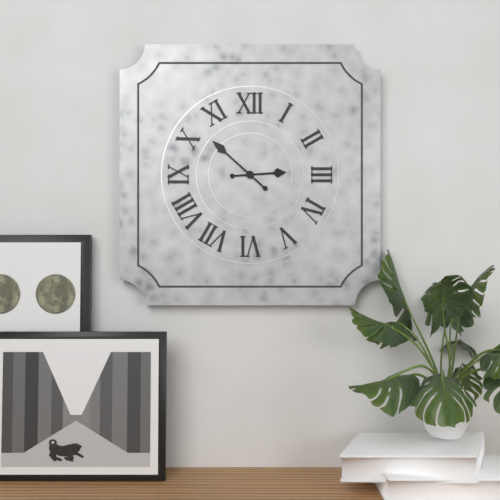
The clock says 2.52
